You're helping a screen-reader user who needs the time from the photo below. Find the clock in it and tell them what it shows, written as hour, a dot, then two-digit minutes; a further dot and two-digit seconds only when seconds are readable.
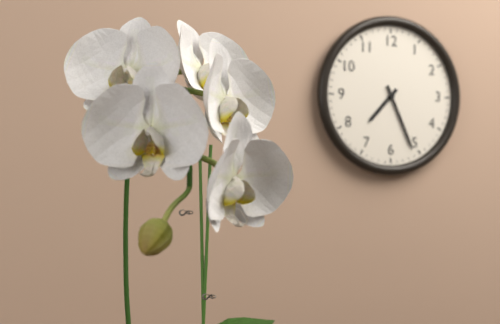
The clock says 7.26
